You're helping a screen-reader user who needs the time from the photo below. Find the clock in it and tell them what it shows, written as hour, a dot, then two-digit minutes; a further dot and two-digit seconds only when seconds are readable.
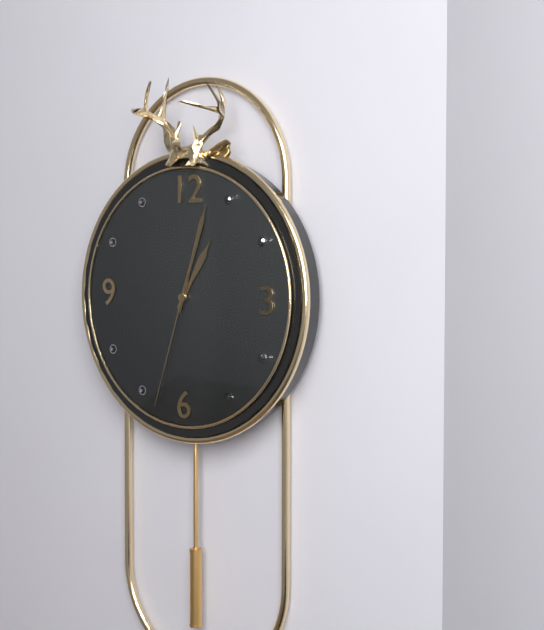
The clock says 1.03.33
